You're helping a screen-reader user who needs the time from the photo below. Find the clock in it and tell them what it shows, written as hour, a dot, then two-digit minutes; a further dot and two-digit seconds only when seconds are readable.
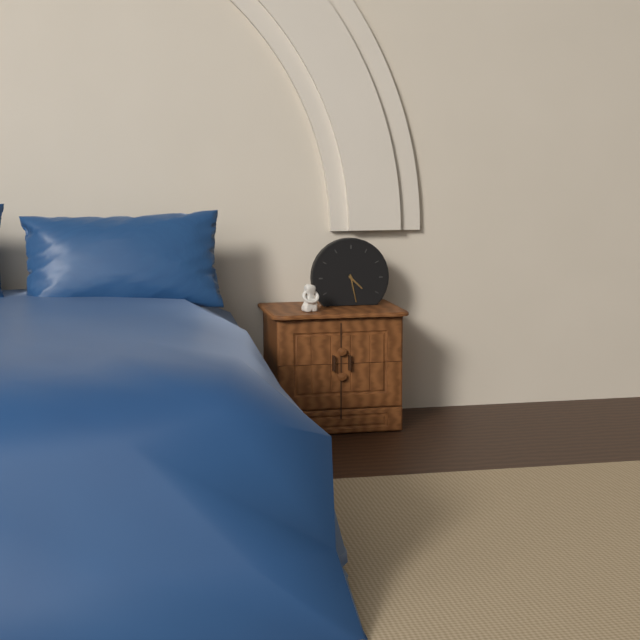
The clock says 4.28
